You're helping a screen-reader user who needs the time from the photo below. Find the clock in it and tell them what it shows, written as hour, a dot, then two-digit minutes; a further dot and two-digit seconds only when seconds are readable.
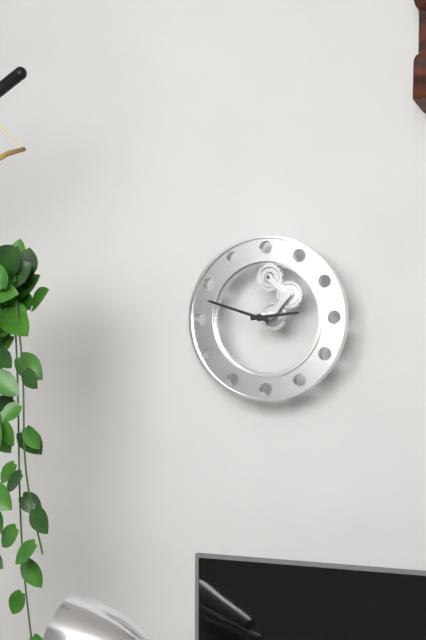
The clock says 2.48
